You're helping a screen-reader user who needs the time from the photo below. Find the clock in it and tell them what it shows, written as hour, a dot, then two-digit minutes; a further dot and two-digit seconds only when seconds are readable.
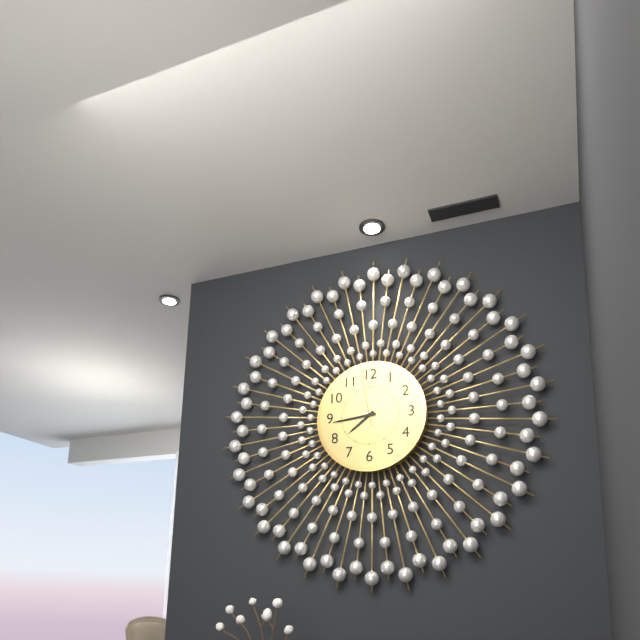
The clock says 7.44.58
